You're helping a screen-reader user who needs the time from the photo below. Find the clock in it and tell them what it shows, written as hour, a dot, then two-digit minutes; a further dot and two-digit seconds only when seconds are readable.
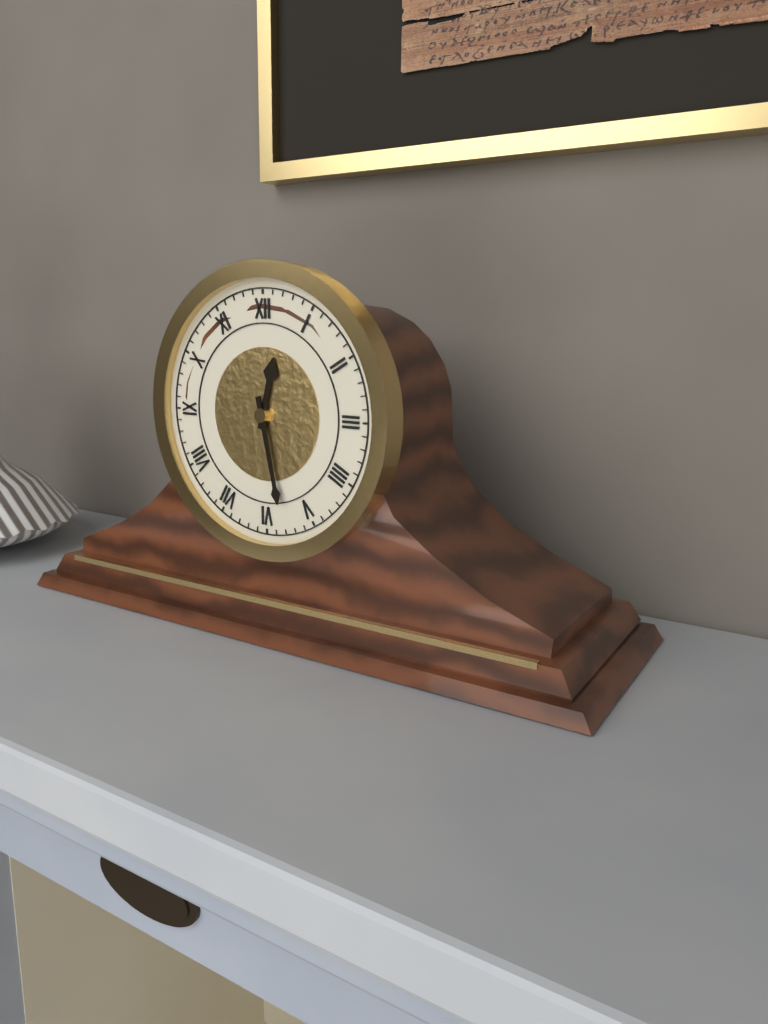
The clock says 12.28
